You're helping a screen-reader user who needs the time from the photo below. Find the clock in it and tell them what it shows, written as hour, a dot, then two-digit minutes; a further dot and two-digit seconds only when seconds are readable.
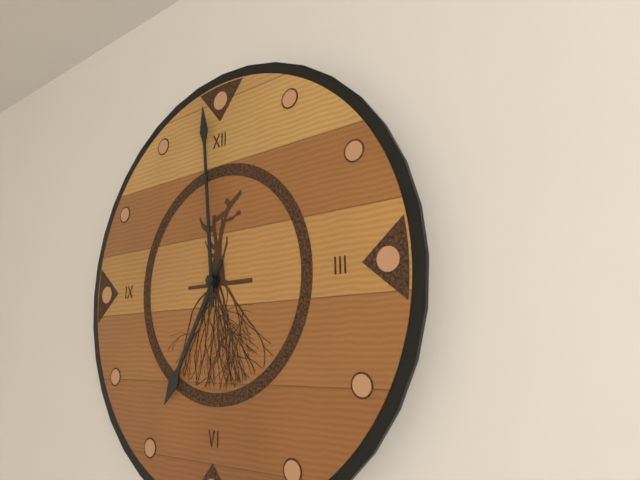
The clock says 6.59
